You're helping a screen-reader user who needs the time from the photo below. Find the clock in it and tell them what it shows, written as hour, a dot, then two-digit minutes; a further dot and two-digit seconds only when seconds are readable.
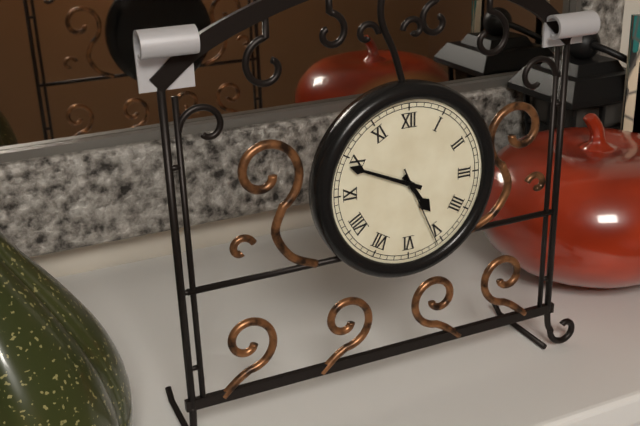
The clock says 4.49.26
